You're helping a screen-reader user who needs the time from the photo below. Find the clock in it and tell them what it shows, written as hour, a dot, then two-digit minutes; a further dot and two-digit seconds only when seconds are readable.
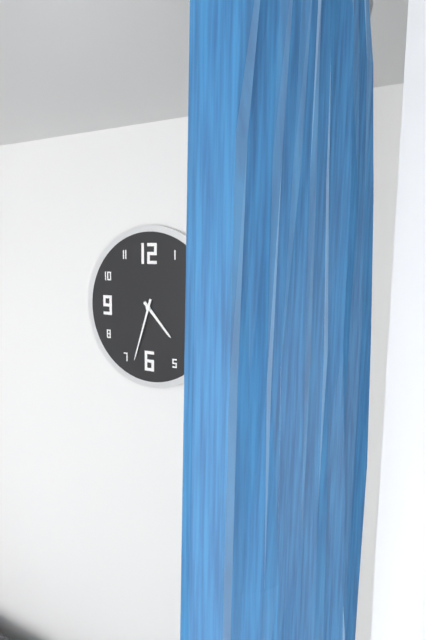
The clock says 4.33
